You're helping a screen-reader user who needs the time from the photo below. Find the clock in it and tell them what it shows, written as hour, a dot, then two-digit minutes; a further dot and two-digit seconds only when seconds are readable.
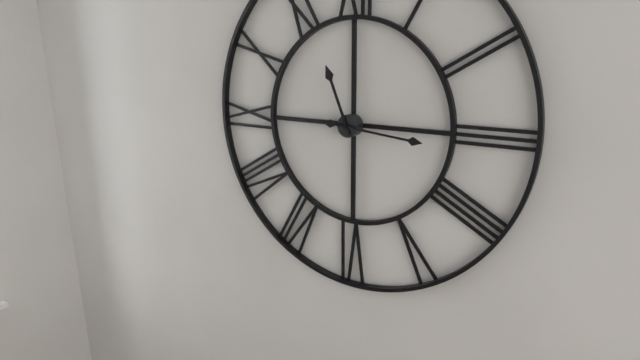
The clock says 11.16
